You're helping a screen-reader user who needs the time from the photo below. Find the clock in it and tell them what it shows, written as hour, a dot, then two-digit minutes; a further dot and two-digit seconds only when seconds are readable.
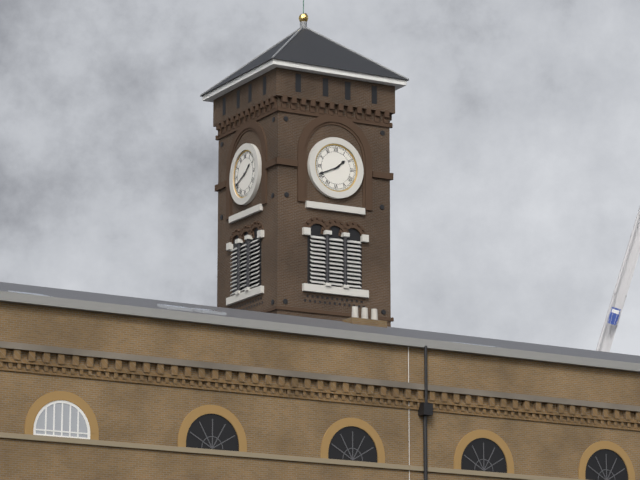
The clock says 1.41
